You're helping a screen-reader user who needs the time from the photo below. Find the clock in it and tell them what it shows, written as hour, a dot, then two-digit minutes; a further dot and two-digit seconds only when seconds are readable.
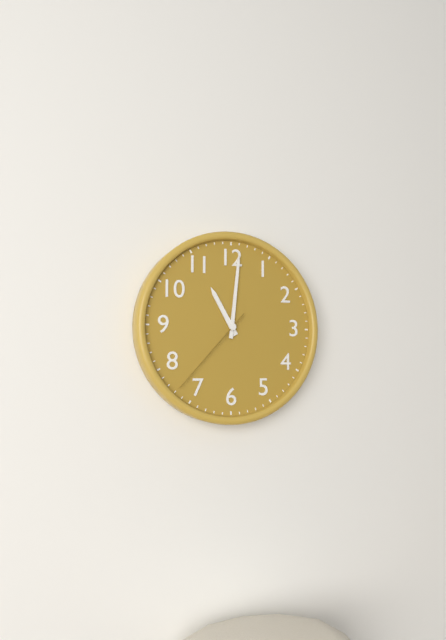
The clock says 11.01.37
